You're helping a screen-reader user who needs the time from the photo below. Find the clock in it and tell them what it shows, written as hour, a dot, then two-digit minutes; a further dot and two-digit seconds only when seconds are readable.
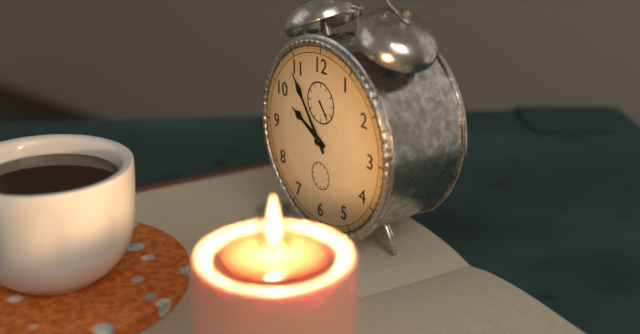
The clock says 9.54
